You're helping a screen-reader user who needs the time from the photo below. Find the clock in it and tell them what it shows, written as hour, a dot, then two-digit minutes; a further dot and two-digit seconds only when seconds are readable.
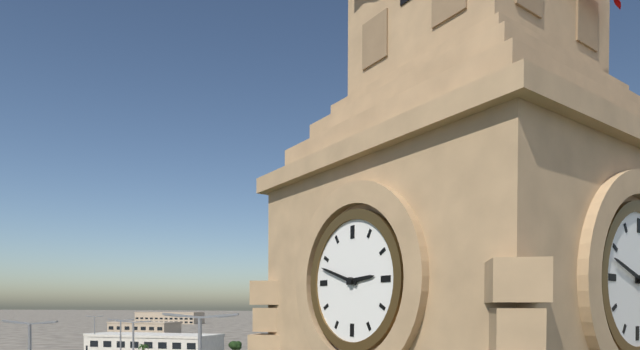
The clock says 2.48
